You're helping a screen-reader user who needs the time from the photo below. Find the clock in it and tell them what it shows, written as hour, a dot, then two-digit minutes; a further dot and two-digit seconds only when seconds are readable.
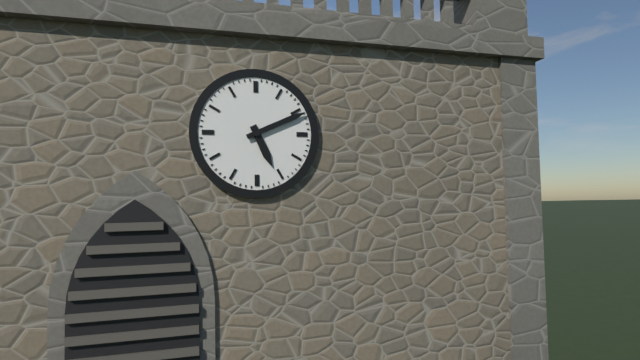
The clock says 5.11
